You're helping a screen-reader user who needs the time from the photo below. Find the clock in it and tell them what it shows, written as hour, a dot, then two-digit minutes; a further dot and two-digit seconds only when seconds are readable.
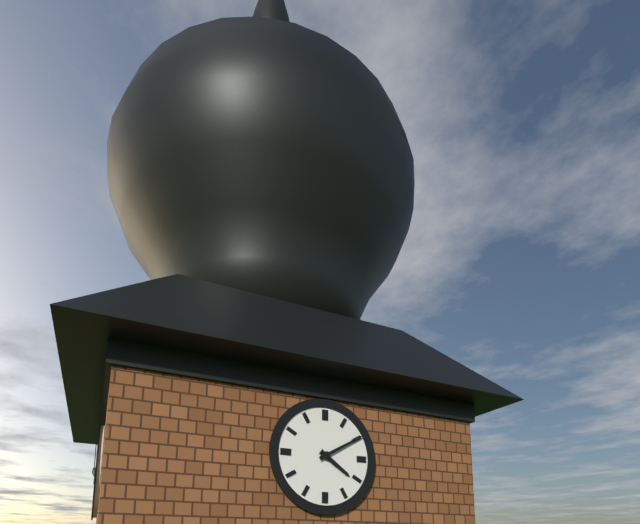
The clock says 4.10
